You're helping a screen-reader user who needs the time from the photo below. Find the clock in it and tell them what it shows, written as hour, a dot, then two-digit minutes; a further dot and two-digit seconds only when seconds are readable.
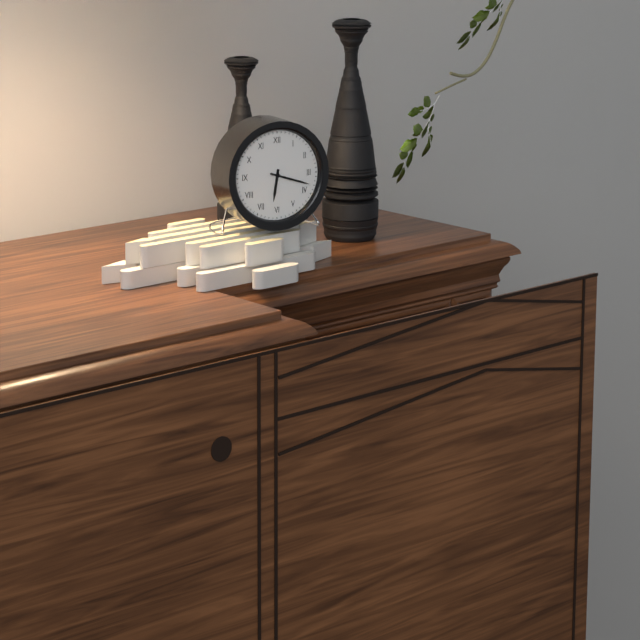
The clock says 6.18
